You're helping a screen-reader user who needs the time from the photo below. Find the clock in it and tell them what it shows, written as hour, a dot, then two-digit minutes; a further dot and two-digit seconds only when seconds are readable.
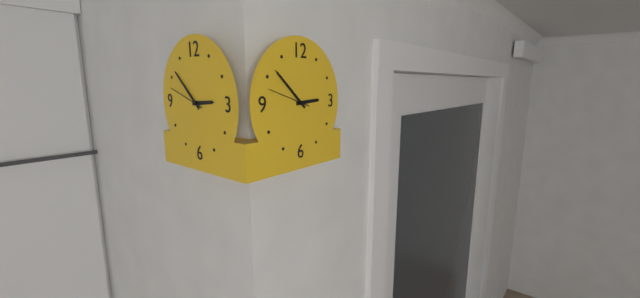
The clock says 2.52
